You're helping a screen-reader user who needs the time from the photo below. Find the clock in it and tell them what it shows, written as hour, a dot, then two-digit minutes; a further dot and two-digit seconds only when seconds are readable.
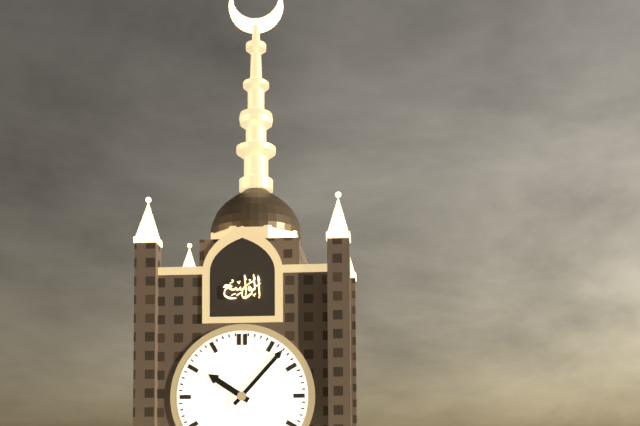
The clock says 10.07
